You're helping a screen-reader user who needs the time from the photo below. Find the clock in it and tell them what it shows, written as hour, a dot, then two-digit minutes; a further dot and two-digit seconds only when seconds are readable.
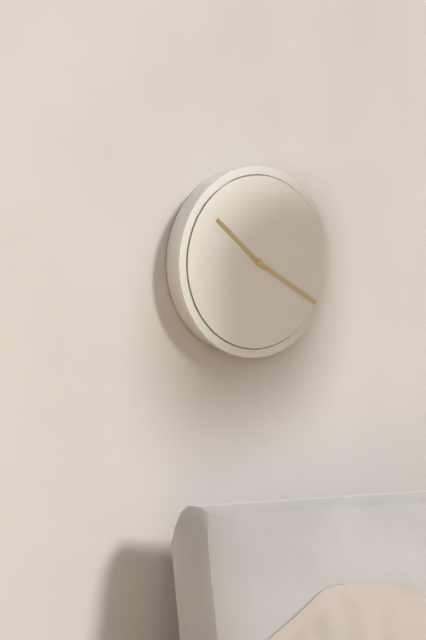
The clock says 10.20
